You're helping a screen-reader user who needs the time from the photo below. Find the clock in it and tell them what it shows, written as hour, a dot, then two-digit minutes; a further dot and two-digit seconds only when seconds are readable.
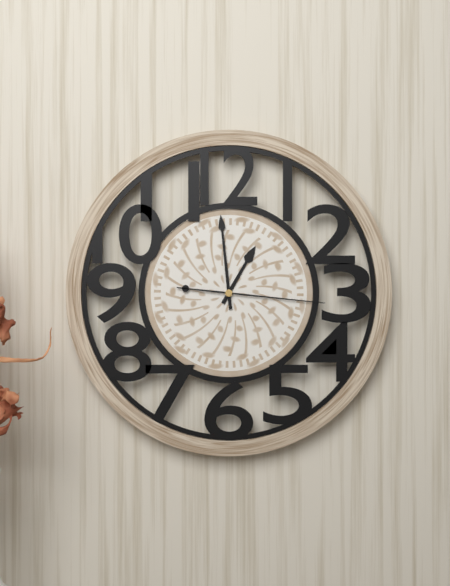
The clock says 12.59.16
